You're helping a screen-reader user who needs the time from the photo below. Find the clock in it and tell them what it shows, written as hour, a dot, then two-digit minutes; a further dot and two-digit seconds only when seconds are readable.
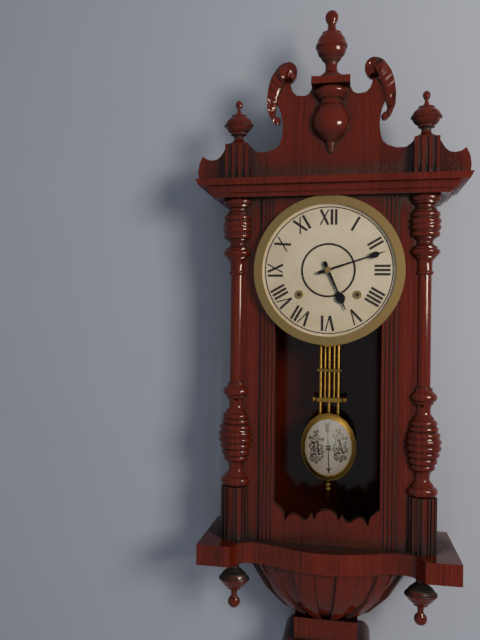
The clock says 5.12
